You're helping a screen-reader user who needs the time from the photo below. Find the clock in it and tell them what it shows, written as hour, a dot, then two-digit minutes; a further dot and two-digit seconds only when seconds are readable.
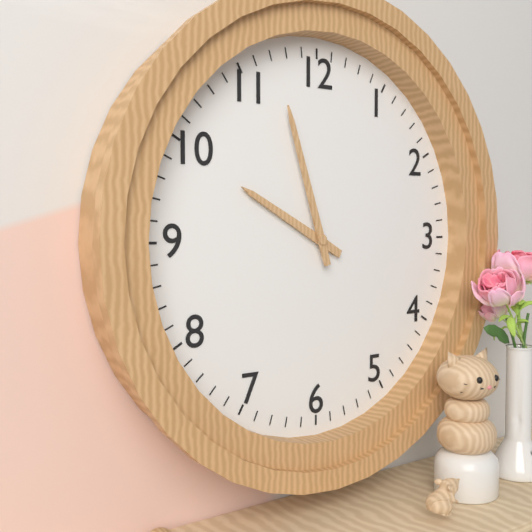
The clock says 9.57
